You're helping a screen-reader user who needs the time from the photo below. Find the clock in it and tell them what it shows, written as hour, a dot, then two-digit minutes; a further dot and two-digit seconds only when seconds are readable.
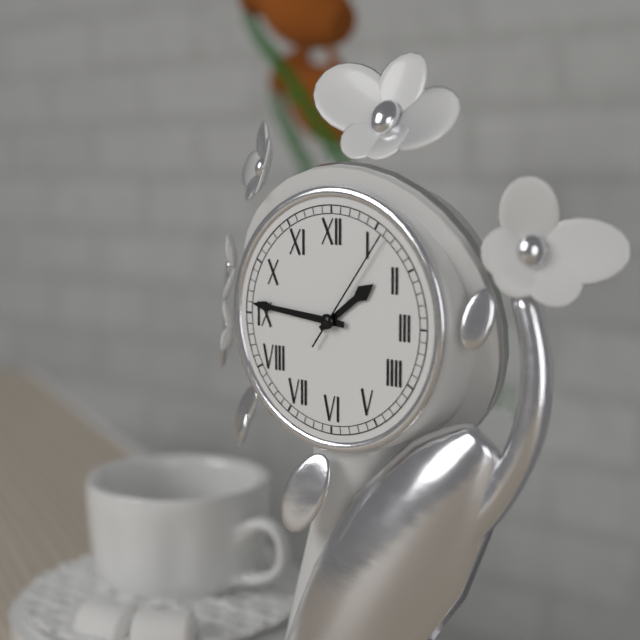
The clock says 1.46.06
